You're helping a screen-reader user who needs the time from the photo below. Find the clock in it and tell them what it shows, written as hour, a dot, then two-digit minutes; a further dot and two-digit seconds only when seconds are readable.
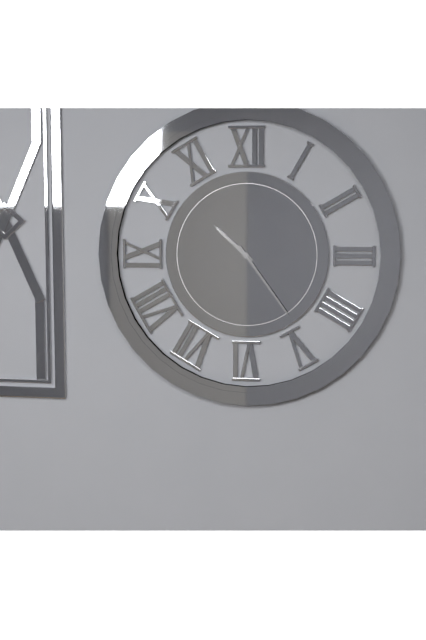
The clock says 10.24
